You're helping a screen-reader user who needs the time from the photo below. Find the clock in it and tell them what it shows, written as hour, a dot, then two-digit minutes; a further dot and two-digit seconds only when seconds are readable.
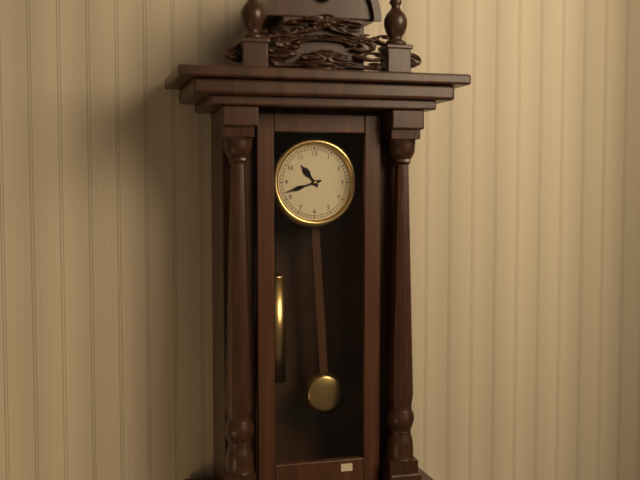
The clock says 10.42
